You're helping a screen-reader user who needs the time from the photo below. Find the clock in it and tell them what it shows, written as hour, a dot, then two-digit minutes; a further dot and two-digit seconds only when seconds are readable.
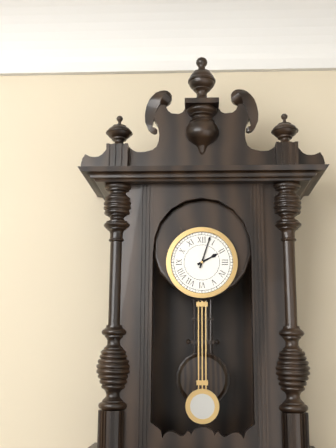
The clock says 2.03
